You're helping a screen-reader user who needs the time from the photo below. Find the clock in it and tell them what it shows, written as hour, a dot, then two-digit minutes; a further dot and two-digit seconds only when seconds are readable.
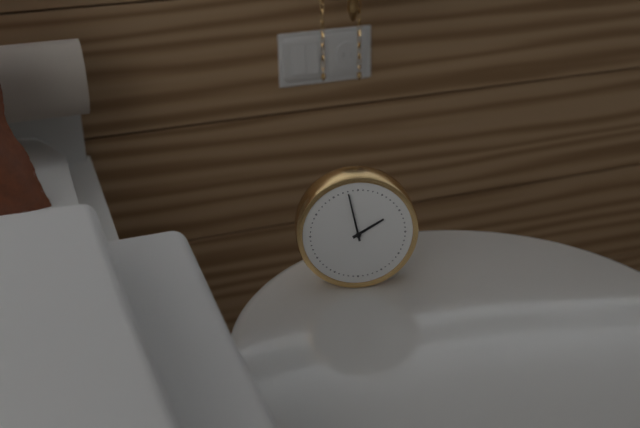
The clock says 1.58
